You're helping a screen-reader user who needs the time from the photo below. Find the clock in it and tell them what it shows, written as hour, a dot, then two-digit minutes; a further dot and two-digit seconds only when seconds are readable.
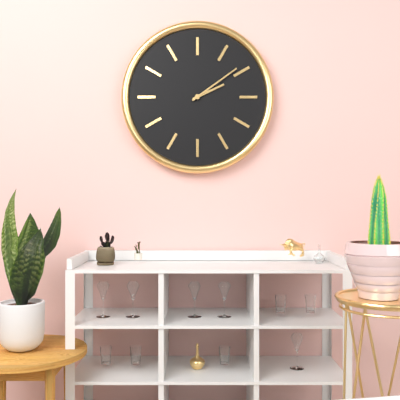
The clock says 2.09
